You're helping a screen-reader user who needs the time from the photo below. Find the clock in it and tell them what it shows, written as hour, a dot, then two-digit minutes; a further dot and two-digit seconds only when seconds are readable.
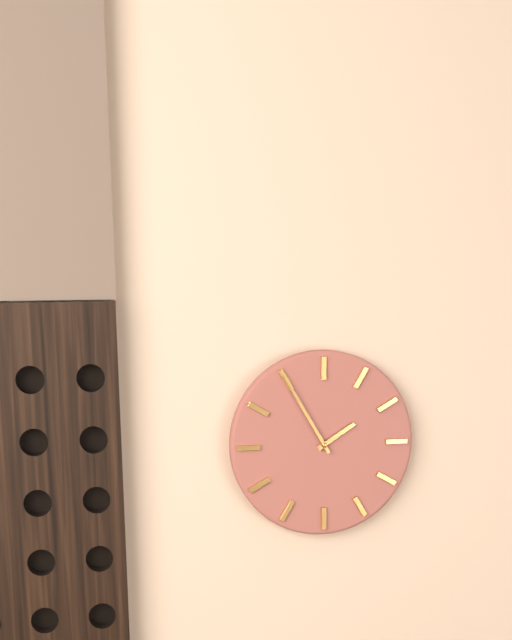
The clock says 1.55
